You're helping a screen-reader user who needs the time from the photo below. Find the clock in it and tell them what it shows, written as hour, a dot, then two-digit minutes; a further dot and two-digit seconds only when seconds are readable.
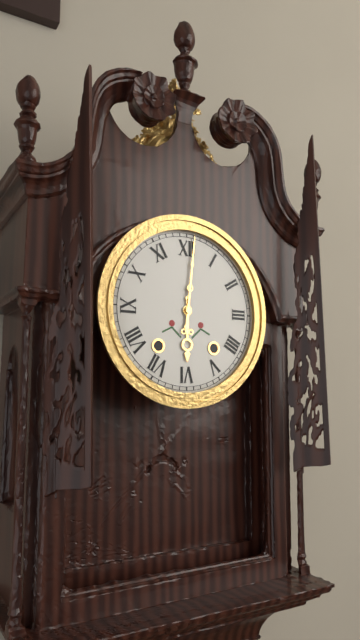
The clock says 6.01
